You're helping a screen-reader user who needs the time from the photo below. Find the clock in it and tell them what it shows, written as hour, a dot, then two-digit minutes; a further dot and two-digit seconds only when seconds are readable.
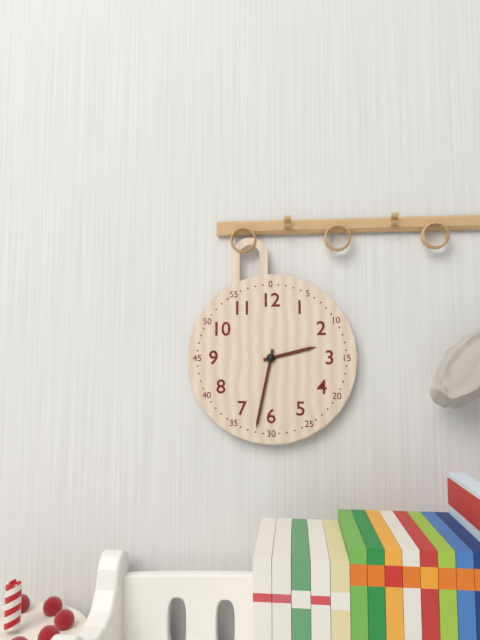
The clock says 2.32
